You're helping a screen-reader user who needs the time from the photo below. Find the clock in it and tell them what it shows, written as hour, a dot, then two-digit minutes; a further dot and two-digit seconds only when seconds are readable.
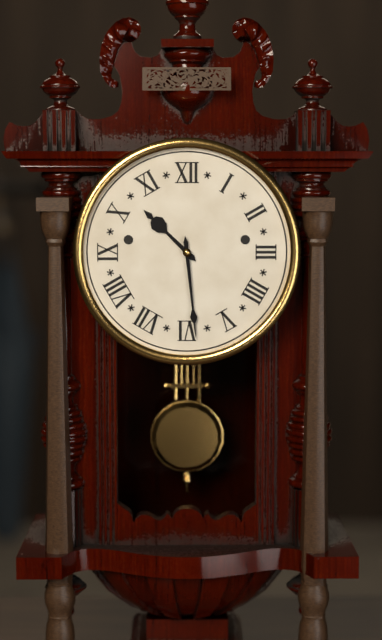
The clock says 10.29
